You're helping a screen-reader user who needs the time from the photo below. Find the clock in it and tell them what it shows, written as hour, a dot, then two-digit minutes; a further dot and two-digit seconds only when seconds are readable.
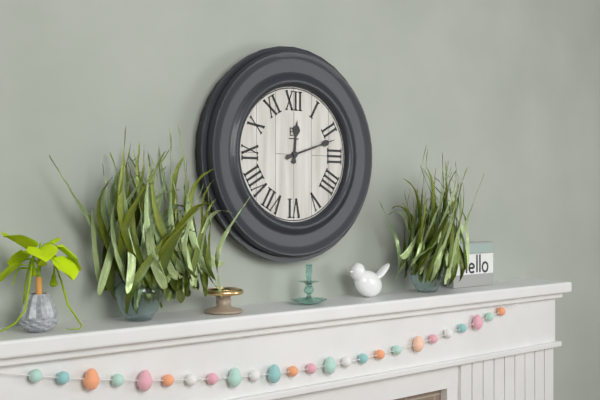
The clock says 12.12
